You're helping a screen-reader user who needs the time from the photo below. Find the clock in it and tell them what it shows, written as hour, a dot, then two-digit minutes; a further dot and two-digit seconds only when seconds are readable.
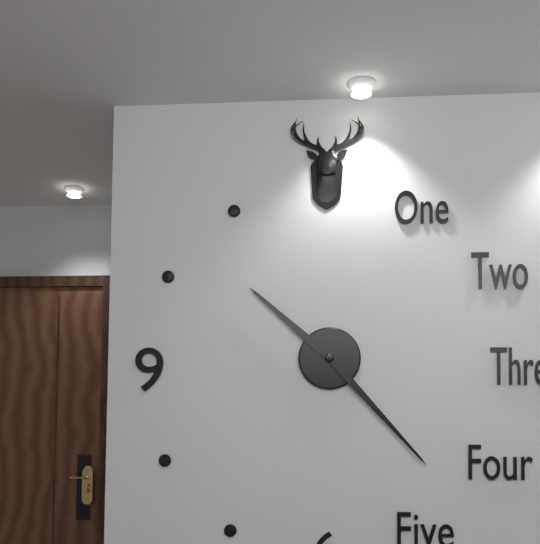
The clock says 10.23
